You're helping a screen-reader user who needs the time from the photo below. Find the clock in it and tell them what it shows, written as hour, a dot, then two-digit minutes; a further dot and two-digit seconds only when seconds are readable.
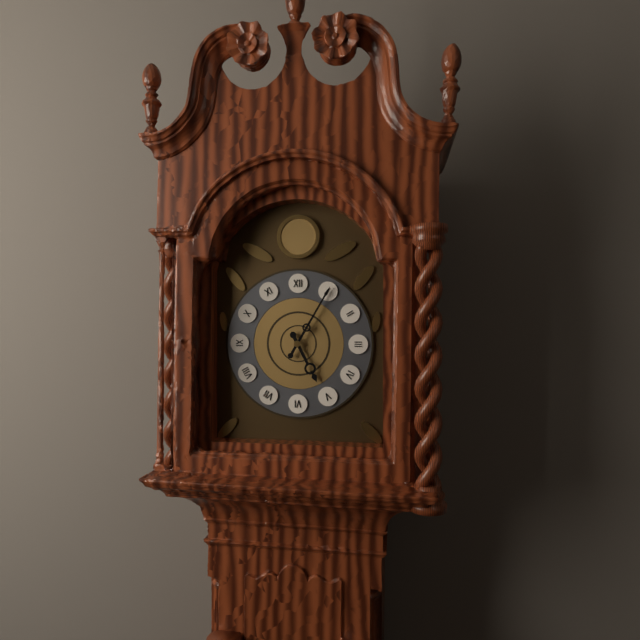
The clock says 5.05
